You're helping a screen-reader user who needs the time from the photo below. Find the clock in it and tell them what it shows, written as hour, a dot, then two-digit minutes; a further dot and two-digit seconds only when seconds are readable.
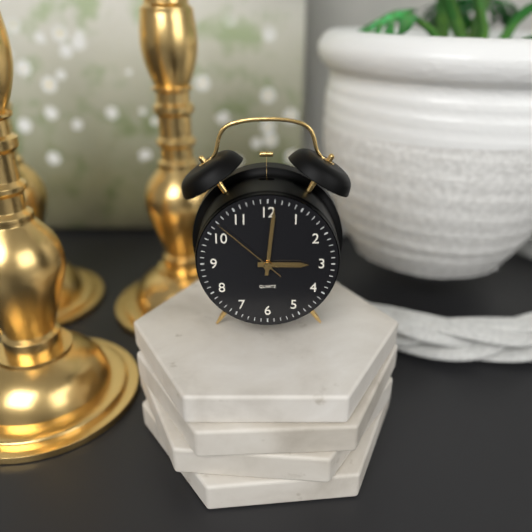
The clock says 3.01.52
